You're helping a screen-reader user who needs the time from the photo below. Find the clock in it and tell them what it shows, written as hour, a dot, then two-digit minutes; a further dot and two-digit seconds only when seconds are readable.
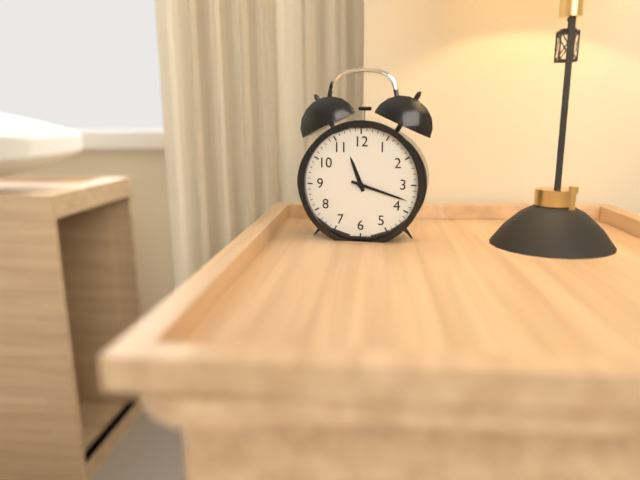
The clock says 11.18
